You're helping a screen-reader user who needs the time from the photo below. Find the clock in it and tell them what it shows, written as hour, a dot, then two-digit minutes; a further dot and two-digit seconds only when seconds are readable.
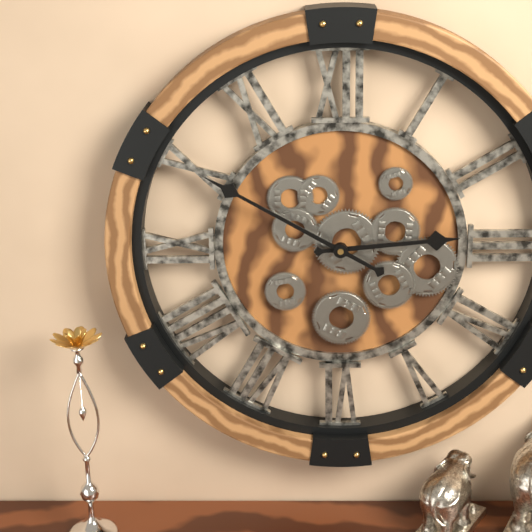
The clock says 2.50
